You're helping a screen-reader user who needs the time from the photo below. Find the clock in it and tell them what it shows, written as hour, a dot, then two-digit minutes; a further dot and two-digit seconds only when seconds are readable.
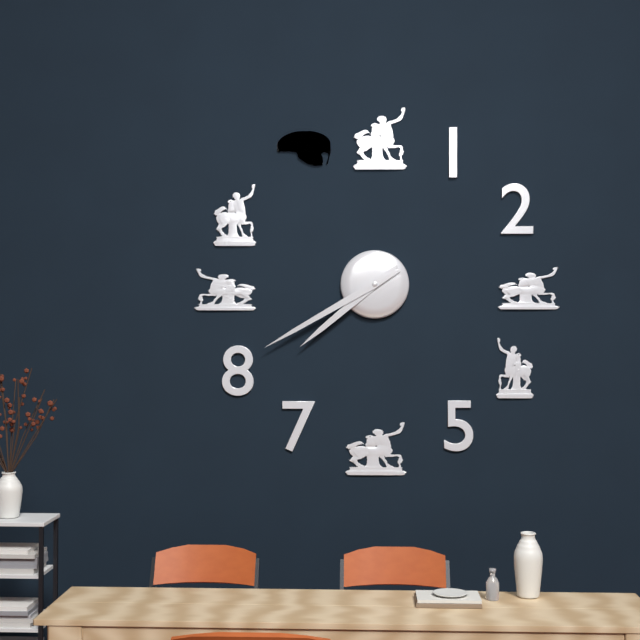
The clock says 7.40
